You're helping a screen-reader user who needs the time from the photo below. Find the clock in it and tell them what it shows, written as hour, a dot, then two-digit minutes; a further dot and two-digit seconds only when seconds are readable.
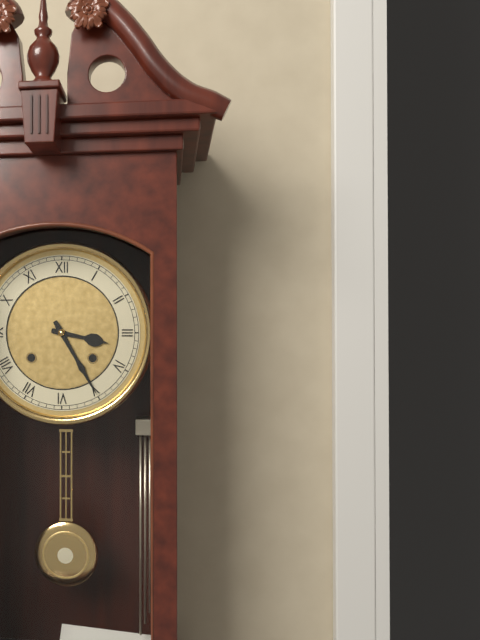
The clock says 3.25
